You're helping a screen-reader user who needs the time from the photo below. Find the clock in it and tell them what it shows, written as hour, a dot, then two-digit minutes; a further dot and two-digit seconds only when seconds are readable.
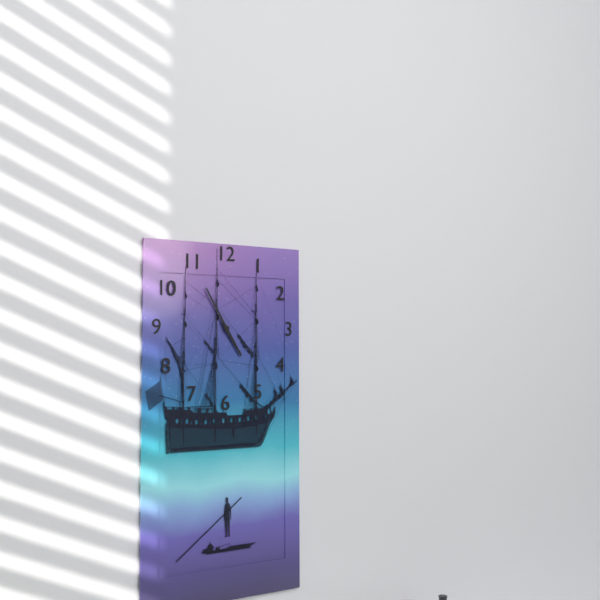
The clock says 4.55
